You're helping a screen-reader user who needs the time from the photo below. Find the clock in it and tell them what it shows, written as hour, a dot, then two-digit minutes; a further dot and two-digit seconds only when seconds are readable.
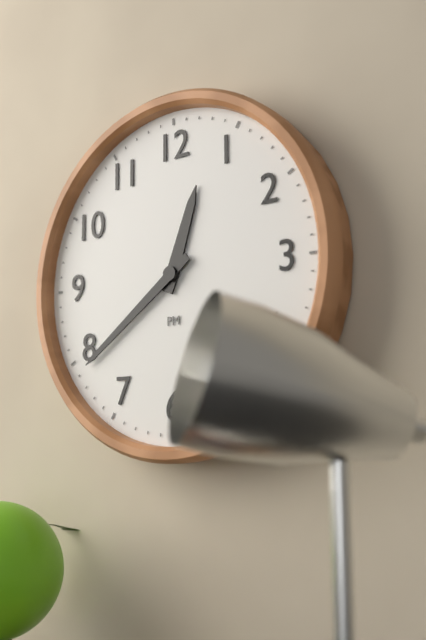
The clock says 12.39
